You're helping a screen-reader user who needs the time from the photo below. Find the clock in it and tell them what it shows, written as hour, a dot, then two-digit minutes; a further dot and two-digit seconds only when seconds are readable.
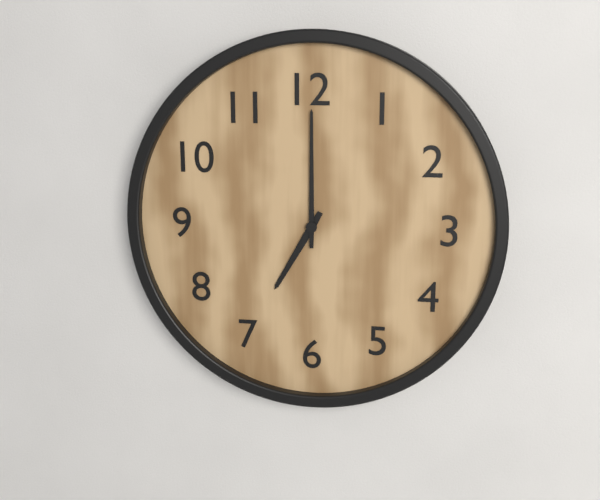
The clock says 7.00
